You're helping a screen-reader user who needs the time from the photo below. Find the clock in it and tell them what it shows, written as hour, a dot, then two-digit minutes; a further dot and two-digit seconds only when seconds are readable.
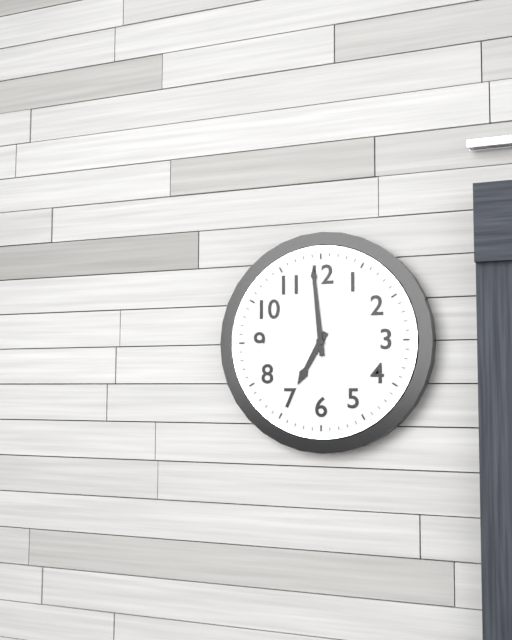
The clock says 6.59
